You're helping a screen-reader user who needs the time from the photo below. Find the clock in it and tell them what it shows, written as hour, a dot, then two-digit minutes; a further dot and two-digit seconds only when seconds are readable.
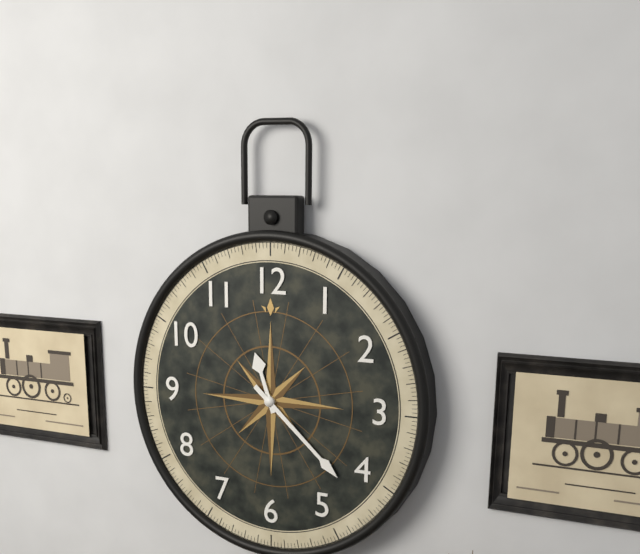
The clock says 11.22
